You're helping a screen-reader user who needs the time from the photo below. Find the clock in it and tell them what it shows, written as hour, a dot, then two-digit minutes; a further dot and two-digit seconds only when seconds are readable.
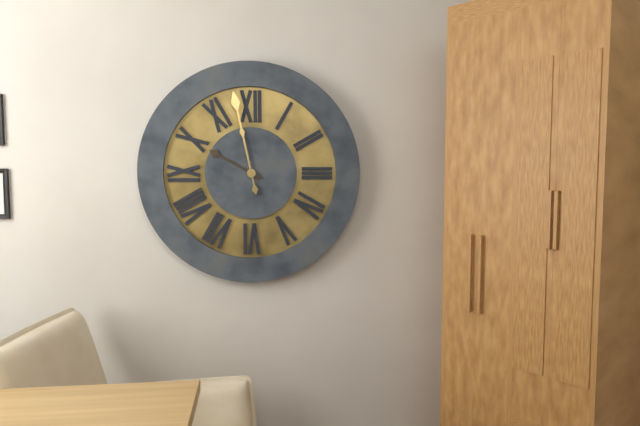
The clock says 9.58
